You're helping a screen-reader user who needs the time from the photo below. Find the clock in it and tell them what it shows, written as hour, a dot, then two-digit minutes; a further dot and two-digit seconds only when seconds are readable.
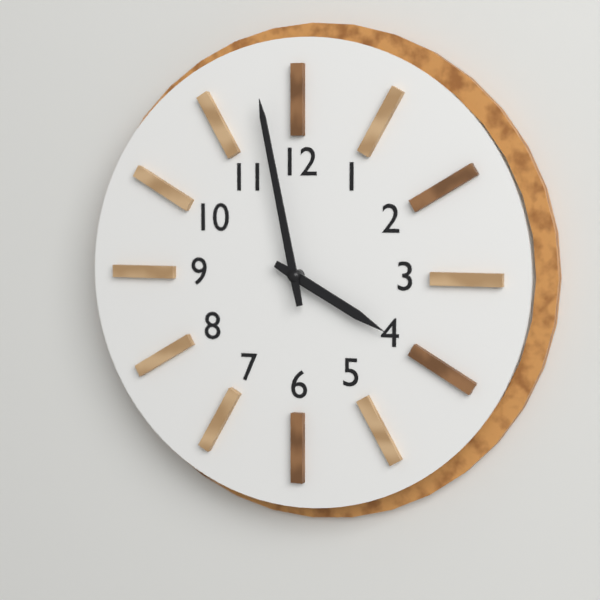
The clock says 3.58
